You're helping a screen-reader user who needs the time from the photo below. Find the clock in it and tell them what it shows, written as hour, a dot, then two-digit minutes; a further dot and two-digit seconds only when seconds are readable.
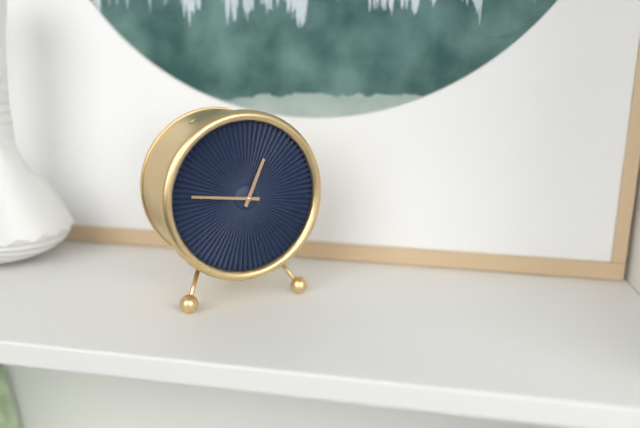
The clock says 12.46
